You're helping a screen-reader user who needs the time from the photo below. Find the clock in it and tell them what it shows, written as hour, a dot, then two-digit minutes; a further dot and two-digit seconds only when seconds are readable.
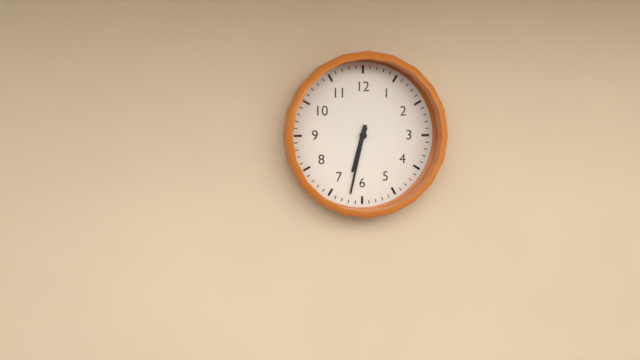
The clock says 6.32
